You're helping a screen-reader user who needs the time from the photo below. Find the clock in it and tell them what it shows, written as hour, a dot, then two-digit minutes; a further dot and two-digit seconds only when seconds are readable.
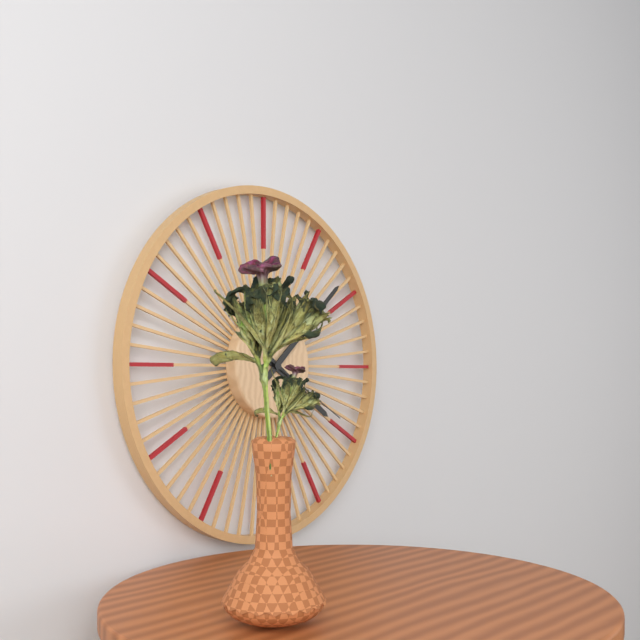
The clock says 4.08.20
